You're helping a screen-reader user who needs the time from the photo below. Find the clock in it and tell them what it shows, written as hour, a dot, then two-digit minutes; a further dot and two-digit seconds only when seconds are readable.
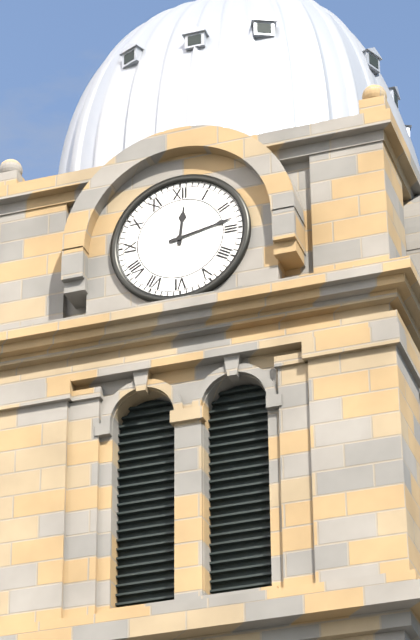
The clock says 12.13
